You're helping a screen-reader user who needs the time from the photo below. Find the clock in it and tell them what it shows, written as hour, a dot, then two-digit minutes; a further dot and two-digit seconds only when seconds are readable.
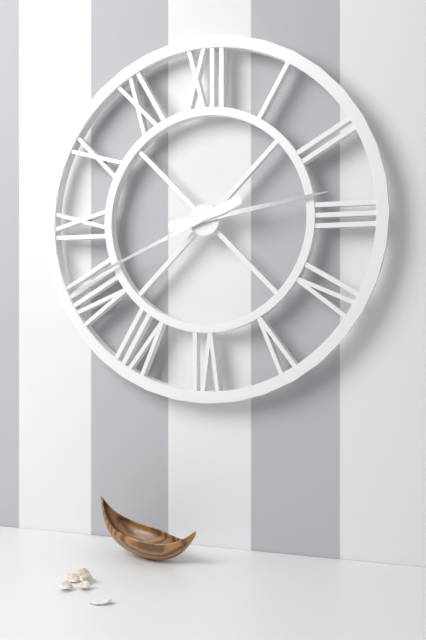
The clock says 2.41
